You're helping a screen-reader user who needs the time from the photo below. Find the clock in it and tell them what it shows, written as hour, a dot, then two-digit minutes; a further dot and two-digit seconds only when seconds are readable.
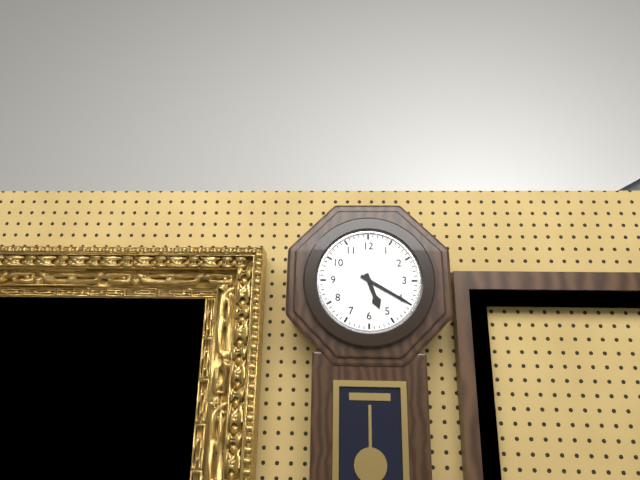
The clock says 5.20
